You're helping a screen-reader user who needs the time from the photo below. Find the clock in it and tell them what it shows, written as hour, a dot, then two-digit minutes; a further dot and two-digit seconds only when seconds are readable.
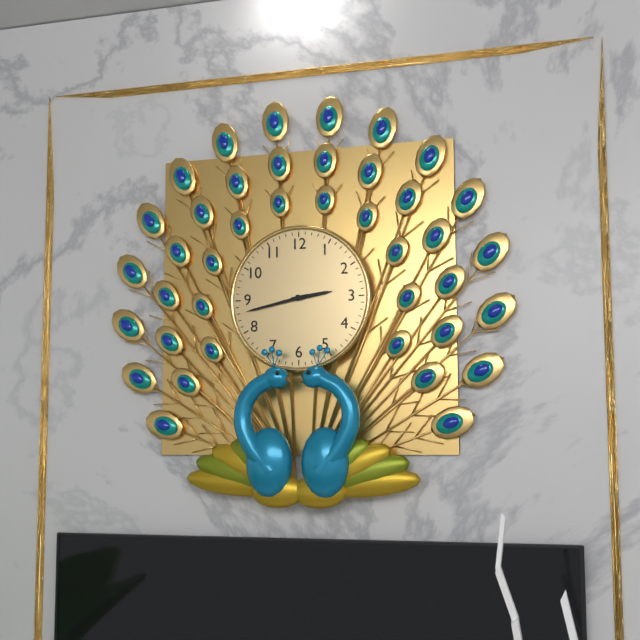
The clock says 2.43
